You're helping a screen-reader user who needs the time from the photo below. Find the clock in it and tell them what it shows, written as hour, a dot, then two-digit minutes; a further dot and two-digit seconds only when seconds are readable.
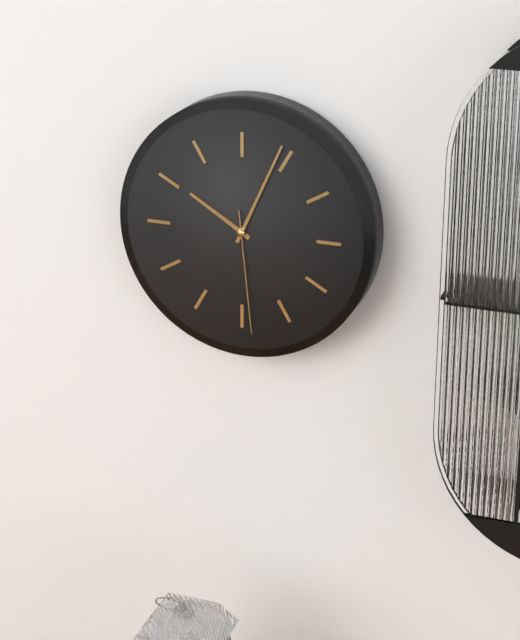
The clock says 10.04.29
